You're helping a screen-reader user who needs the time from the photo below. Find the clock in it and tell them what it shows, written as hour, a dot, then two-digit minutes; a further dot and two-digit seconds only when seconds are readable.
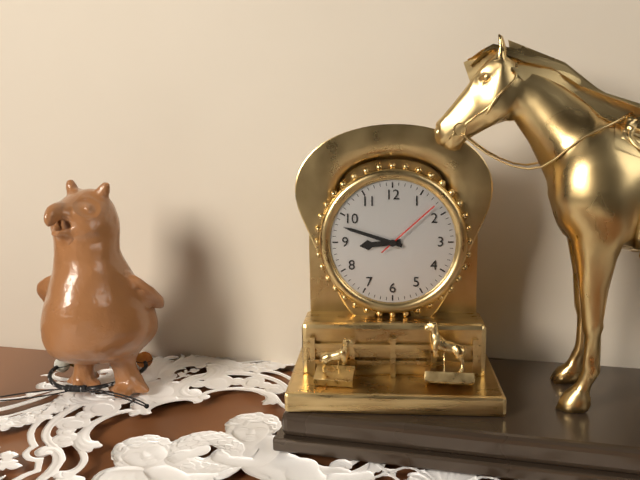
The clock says 8.48.08
